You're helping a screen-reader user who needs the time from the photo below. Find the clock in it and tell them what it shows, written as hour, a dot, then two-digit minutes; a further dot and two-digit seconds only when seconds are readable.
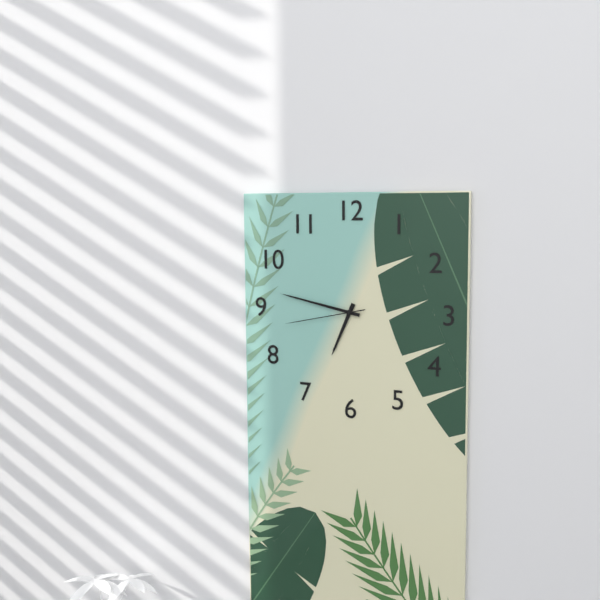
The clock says 6.47.43
